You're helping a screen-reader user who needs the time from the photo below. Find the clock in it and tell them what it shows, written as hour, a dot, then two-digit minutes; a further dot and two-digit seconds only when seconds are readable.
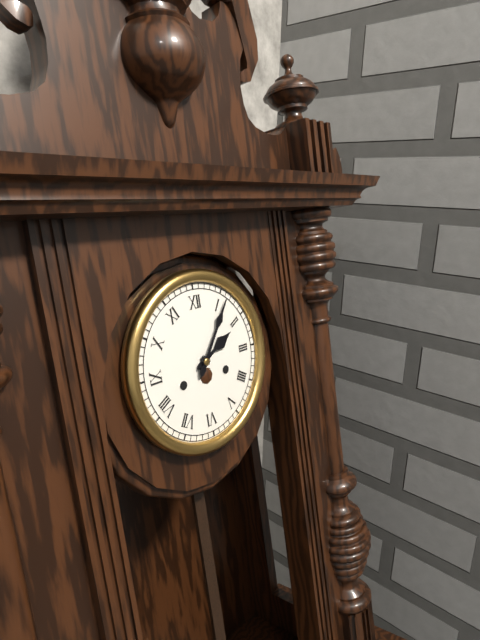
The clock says 2.06
